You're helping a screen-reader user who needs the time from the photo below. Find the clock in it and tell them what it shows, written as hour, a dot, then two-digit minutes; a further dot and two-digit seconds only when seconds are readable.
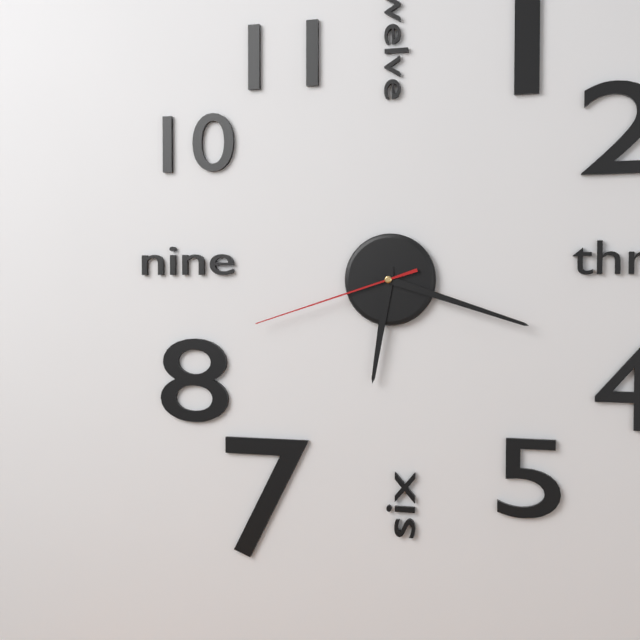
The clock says 6.18.42
